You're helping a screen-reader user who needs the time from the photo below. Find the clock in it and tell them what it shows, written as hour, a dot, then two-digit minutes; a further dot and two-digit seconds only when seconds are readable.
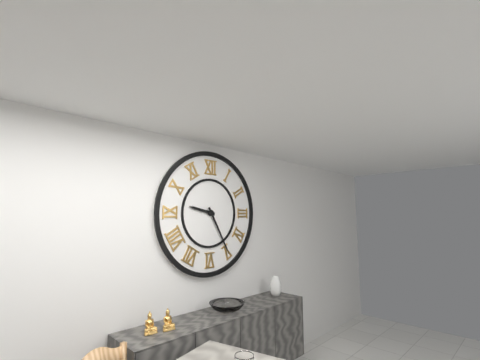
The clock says 9.25
